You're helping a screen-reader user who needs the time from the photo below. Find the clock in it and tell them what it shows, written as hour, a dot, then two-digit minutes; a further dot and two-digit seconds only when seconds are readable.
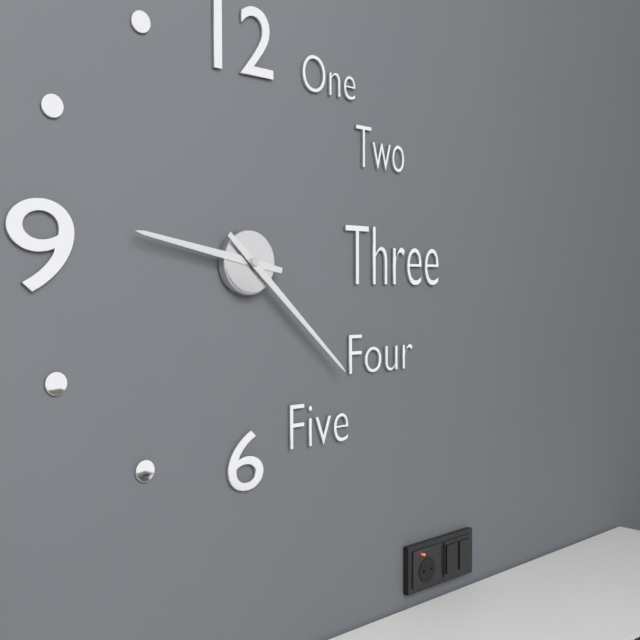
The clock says 9.22
